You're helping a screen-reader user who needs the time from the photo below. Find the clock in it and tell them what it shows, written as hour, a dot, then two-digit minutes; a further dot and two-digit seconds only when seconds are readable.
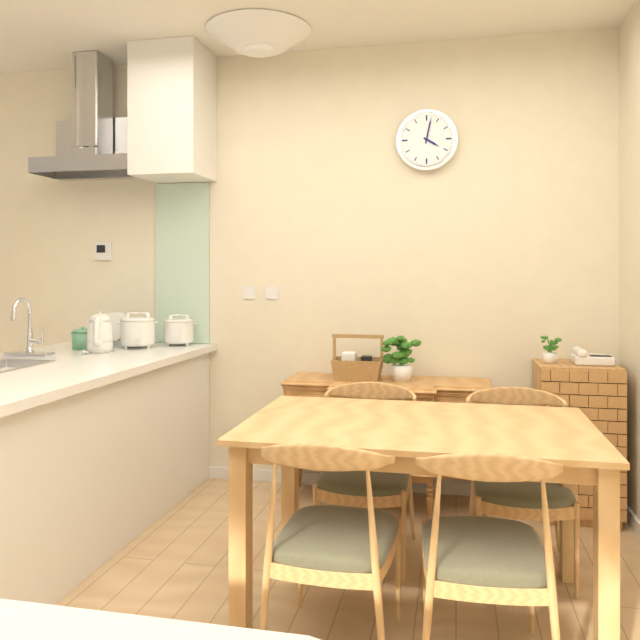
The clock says 4.02
